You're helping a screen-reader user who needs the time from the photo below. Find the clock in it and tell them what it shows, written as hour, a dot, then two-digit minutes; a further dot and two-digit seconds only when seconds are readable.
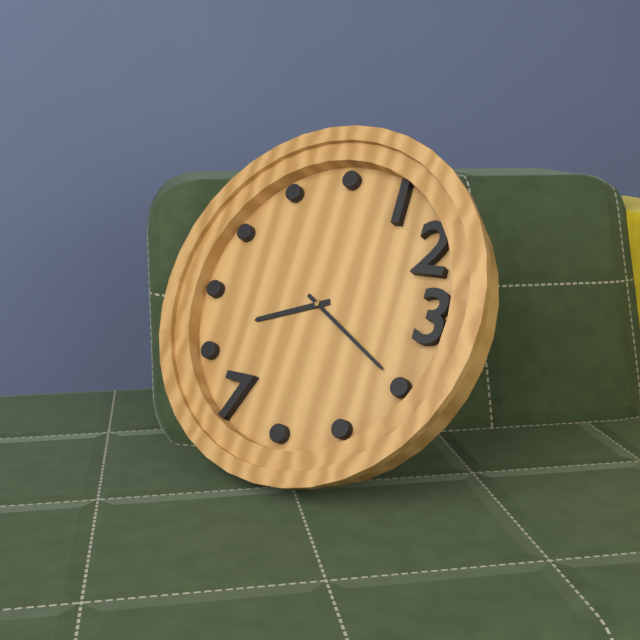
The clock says 8.20
